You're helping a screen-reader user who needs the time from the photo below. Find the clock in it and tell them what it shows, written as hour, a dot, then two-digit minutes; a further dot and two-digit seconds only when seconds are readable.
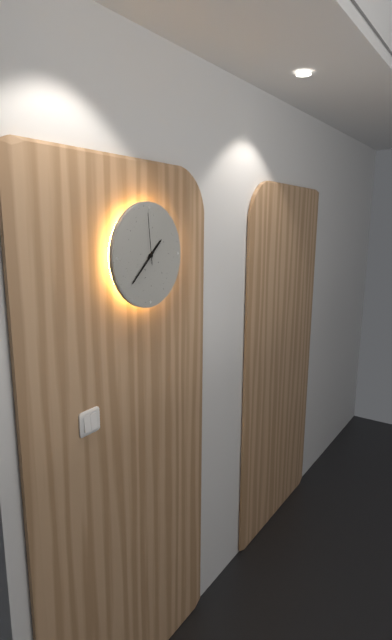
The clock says 1.38.59
